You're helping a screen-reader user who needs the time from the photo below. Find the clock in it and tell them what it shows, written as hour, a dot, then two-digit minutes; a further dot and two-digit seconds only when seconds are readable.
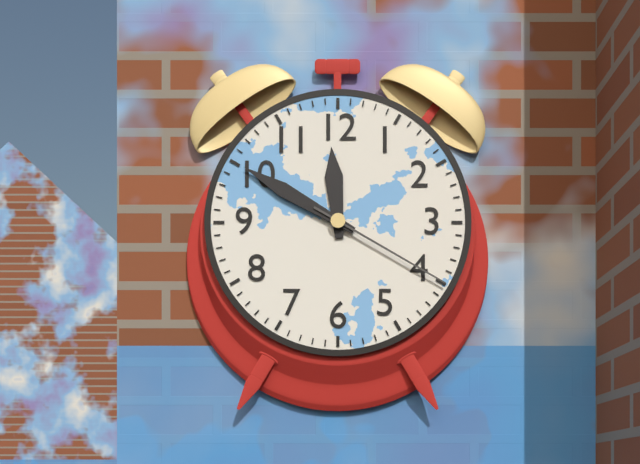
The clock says 11.50.20
